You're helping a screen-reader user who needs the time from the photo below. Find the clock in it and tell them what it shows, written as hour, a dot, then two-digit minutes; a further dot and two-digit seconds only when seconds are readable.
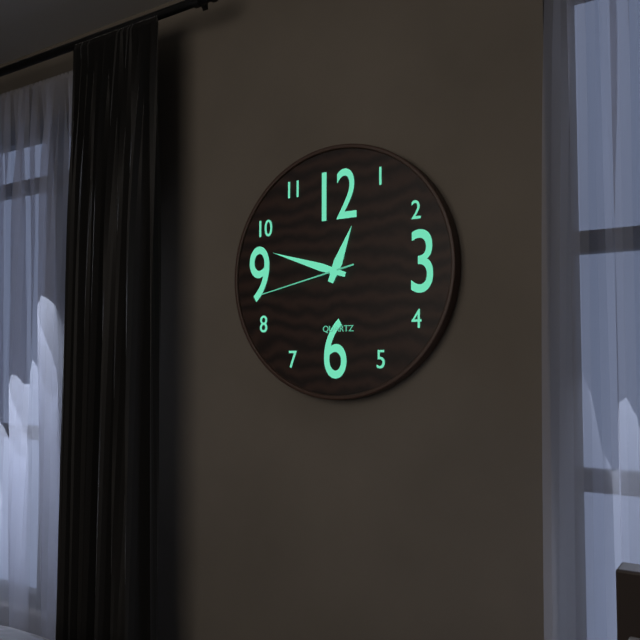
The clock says 12.48.43
